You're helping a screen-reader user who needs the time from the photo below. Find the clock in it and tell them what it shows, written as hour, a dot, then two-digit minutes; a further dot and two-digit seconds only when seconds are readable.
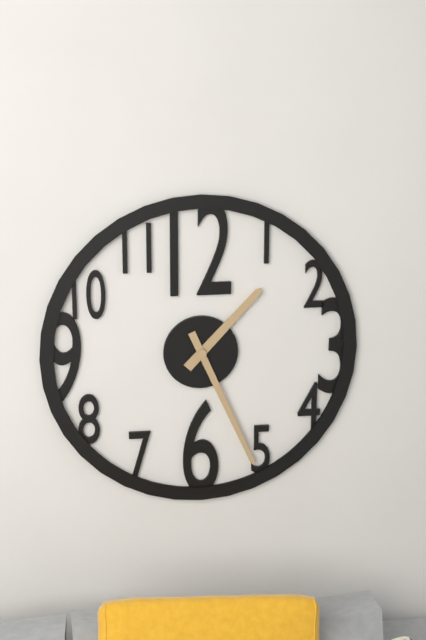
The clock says 1.26
